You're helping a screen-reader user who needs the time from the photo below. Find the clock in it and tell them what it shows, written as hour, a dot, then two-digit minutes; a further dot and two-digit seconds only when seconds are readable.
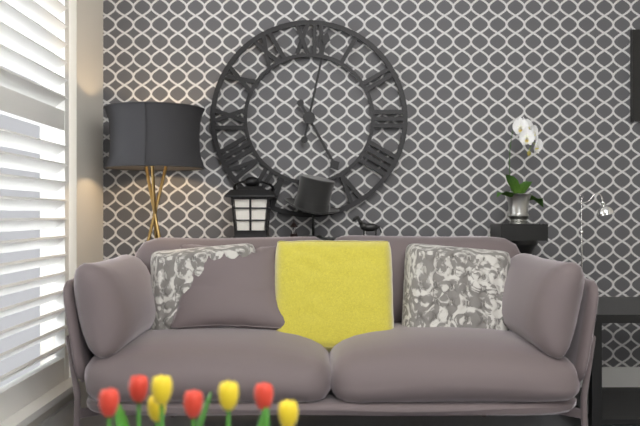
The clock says 5.02
